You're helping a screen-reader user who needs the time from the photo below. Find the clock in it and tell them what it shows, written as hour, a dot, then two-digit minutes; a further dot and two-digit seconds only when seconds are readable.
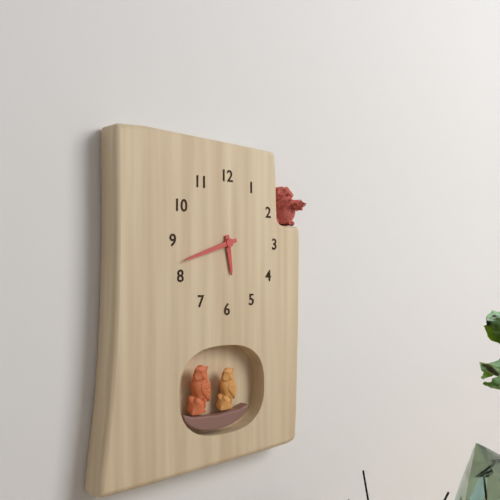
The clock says 5.42
